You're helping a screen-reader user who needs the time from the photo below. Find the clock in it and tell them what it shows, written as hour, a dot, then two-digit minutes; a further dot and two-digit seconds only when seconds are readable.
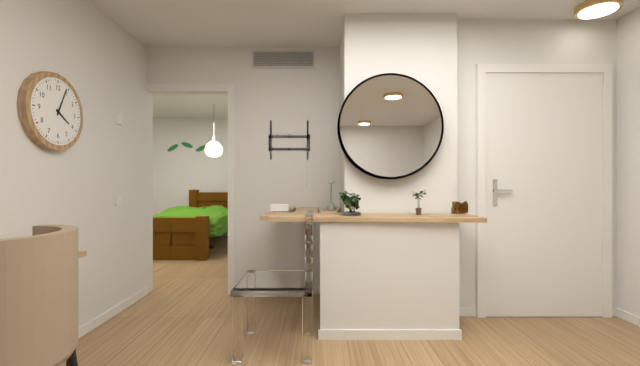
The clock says 4.04
